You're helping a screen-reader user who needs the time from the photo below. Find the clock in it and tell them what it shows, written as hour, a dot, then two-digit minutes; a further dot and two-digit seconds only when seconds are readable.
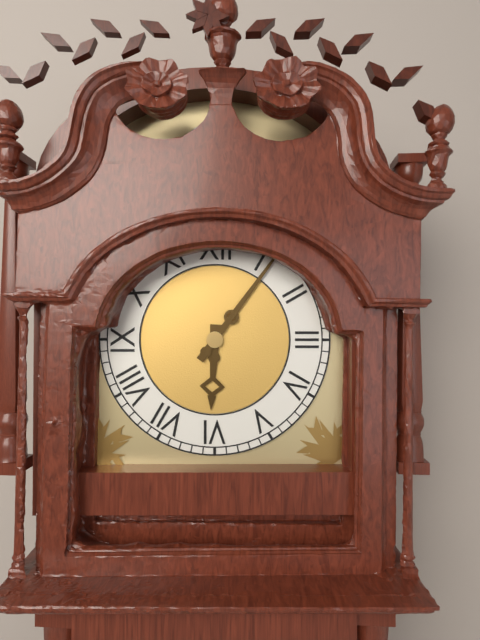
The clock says 6.06
